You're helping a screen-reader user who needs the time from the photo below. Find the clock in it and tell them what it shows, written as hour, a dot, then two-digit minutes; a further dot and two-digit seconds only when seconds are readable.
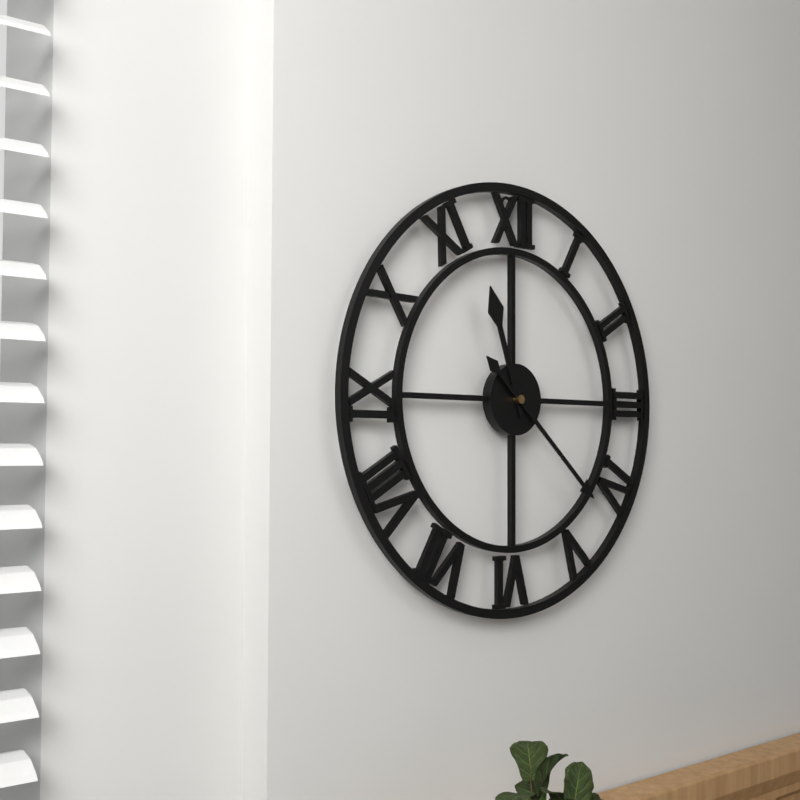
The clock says 11.22
